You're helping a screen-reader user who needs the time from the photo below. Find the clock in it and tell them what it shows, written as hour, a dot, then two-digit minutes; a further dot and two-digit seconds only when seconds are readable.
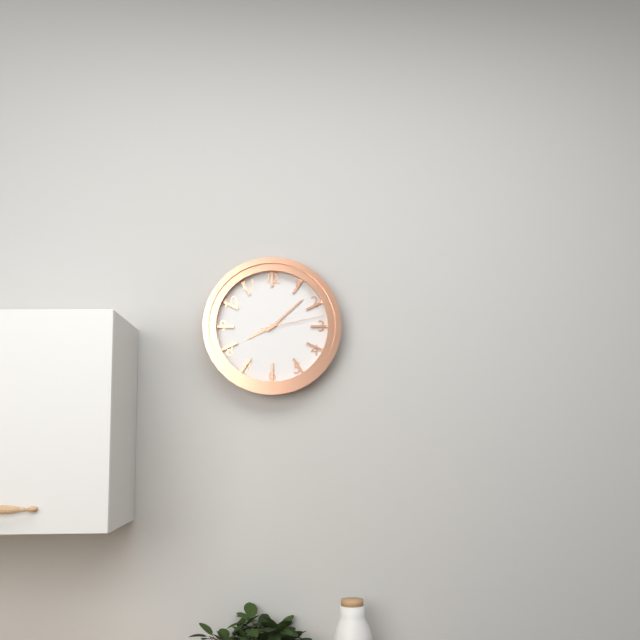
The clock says 8.08.13
